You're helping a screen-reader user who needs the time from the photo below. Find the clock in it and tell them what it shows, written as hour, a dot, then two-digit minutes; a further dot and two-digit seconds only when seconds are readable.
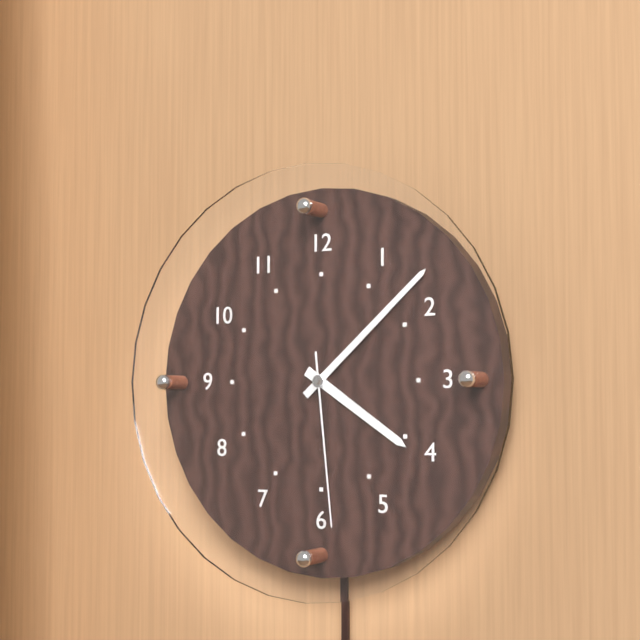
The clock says 4.08.29
